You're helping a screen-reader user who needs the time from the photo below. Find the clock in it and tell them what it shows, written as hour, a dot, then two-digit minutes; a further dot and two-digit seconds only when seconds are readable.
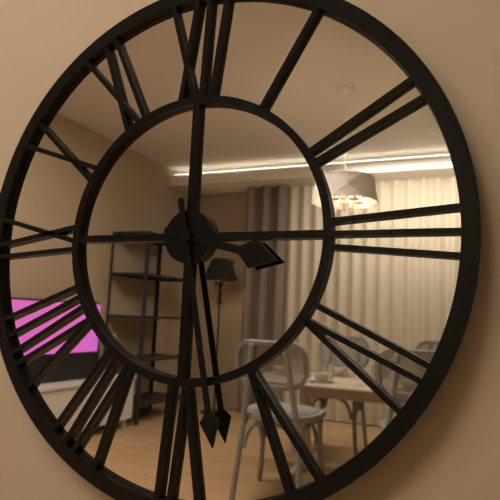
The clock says 3.28
